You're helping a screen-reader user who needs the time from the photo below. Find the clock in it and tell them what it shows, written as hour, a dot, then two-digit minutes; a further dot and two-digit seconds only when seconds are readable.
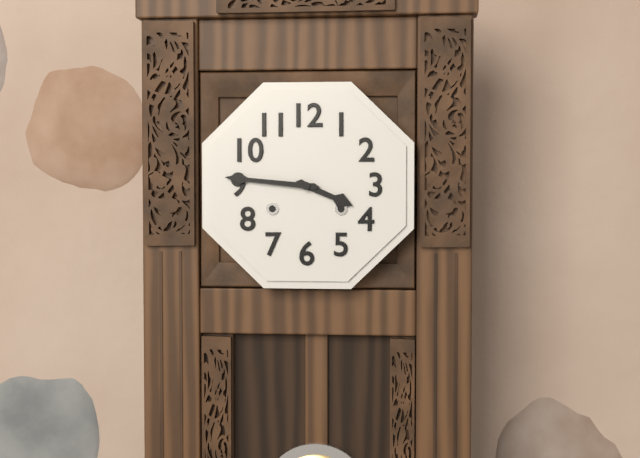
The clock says 3.46
